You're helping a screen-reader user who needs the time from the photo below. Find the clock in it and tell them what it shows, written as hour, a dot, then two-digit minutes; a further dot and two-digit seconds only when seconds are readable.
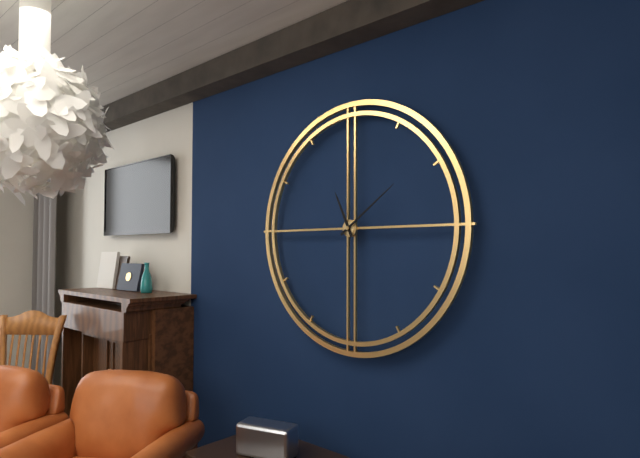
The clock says 11.09
